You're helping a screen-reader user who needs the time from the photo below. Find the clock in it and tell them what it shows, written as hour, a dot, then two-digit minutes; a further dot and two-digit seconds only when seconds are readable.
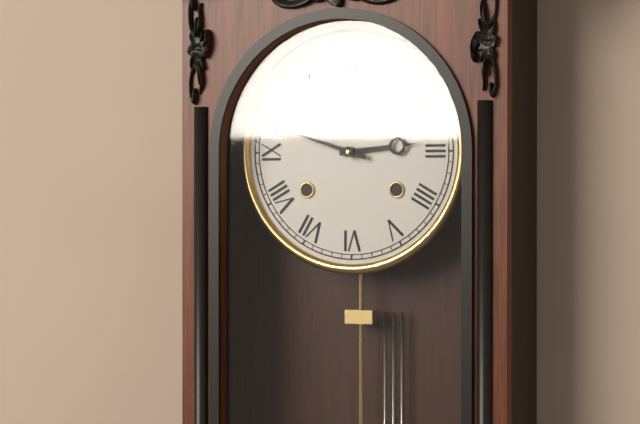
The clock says 2.48
